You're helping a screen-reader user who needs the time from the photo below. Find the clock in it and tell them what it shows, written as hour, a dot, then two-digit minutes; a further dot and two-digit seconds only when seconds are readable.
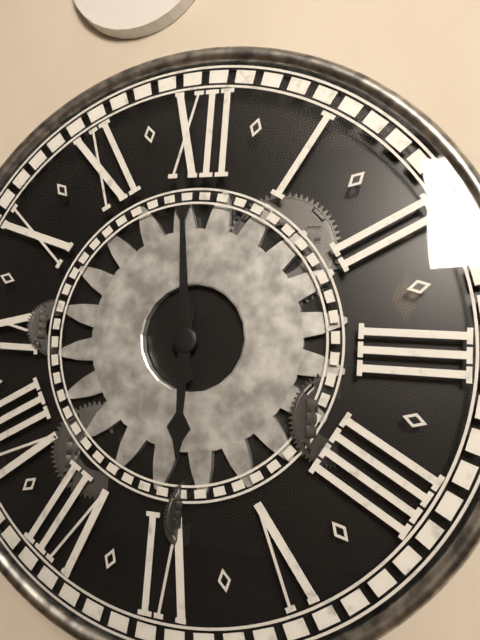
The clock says 5.59
